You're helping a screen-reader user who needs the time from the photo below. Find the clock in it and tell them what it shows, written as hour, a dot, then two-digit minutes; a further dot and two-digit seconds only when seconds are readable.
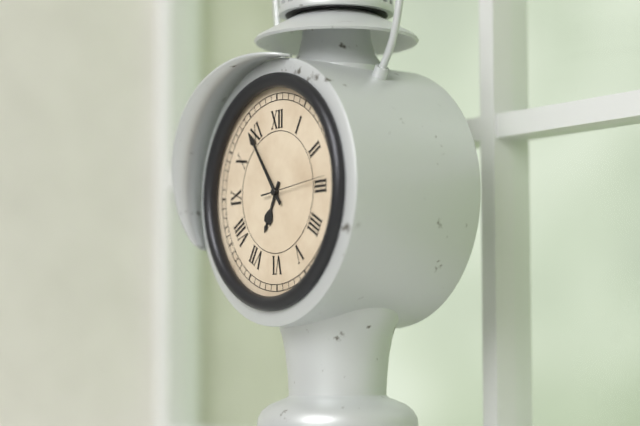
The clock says 6.54.14
